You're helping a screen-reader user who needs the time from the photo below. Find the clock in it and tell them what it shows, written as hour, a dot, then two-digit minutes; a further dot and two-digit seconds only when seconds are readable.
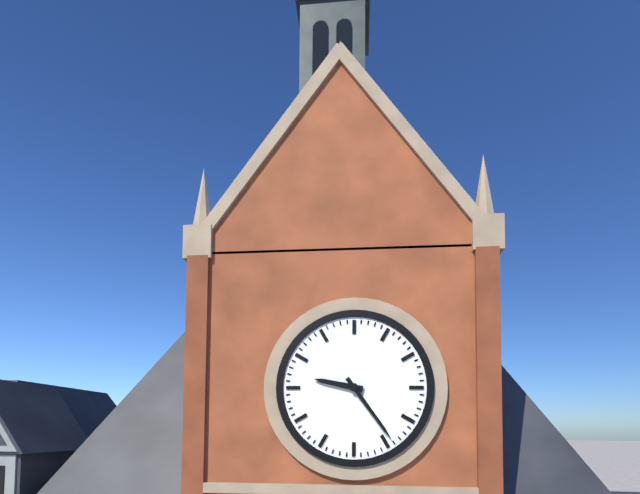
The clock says 9.24
